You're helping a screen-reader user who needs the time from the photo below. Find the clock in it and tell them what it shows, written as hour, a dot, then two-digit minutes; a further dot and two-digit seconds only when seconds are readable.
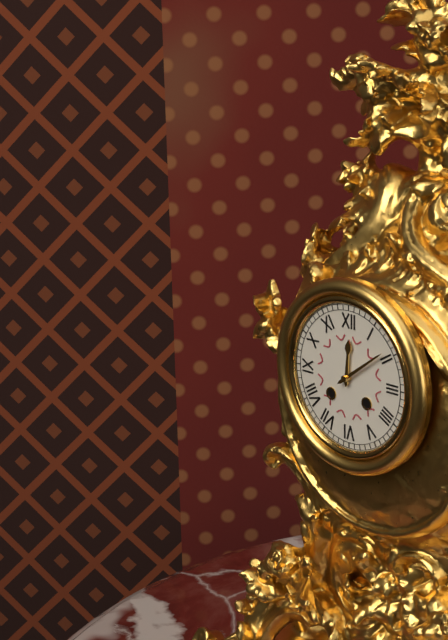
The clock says 12.09
